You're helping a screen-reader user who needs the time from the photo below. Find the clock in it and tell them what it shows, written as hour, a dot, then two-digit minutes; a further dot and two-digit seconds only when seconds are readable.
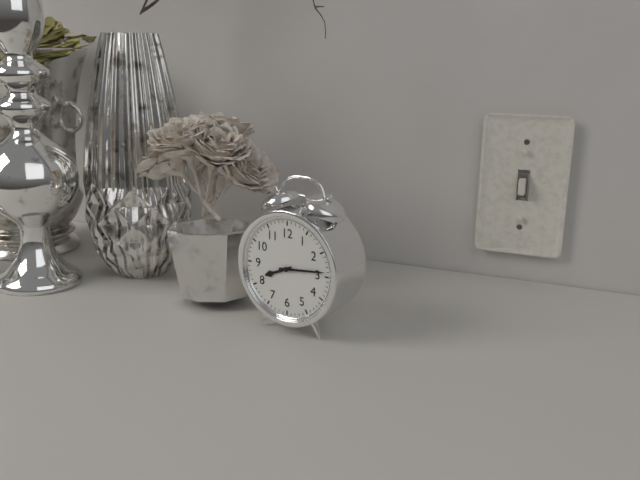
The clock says 8.14
